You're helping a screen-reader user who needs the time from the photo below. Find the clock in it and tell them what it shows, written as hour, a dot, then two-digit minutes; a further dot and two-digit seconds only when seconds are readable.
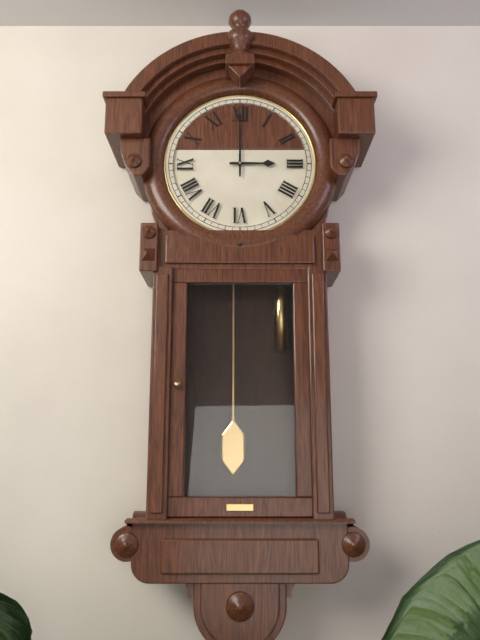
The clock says 3.00
